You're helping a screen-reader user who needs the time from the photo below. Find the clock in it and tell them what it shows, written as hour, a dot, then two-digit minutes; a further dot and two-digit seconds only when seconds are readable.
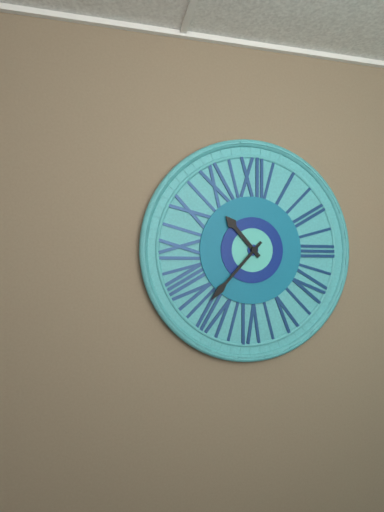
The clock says 10.37
